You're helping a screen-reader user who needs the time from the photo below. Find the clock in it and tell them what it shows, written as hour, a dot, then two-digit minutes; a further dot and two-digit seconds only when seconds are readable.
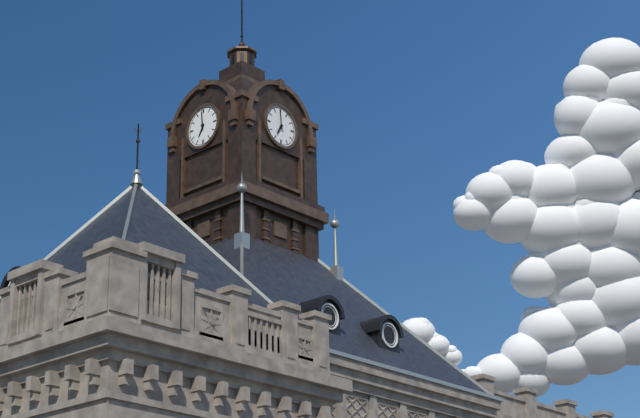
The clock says 6.59
